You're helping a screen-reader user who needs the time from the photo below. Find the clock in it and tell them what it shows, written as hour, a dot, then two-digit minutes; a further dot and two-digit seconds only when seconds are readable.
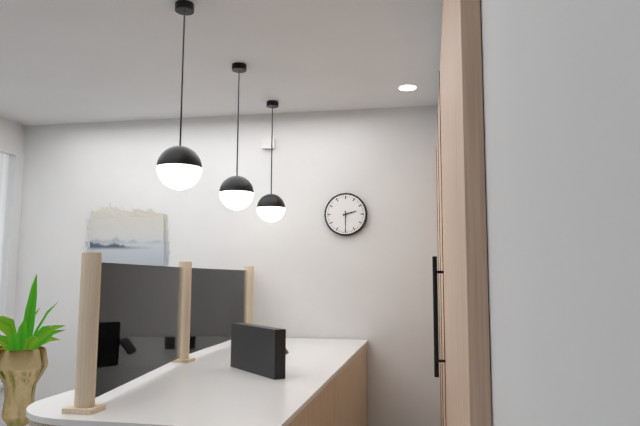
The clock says 2.30
